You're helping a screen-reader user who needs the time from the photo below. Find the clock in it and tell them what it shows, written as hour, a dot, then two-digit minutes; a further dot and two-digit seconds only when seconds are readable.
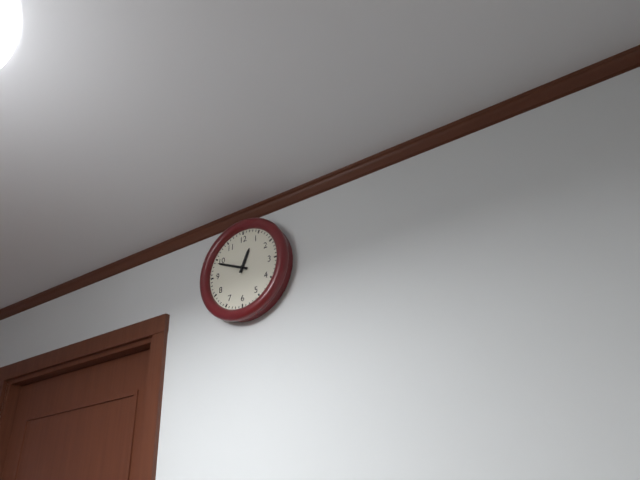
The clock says 12.49
